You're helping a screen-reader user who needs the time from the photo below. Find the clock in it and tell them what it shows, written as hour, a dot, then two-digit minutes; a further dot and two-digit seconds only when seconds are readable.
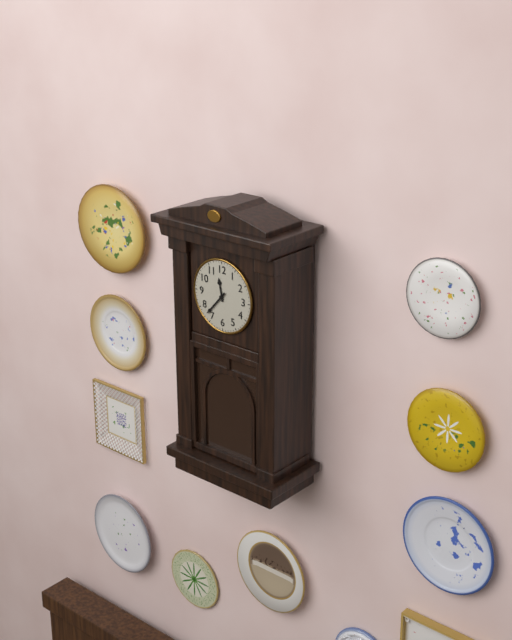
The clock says 11.37
